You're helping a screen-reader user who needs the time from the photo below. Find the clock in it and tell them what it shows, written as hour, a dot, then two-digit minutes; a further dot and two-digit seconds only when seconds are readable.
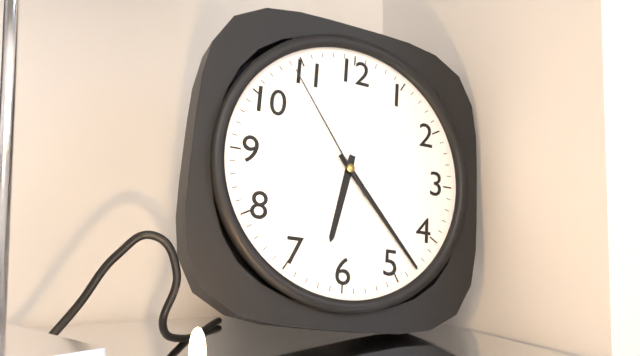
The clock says 6.23.54
